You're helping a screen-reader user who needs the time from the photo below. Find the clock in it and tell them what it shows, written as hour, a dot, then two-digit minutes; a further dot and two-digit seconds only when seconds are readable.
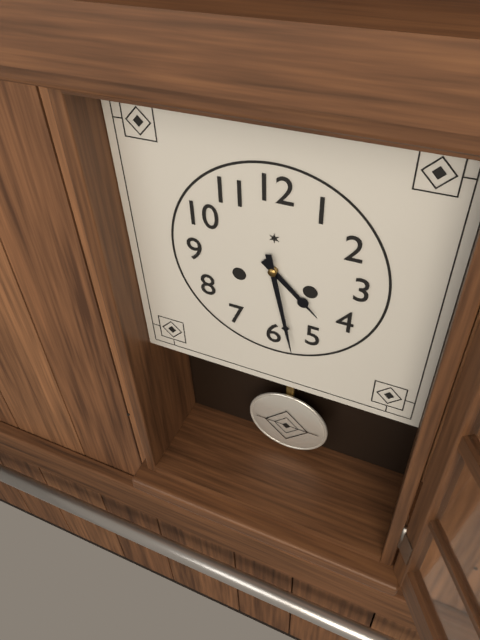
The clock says 4.28
